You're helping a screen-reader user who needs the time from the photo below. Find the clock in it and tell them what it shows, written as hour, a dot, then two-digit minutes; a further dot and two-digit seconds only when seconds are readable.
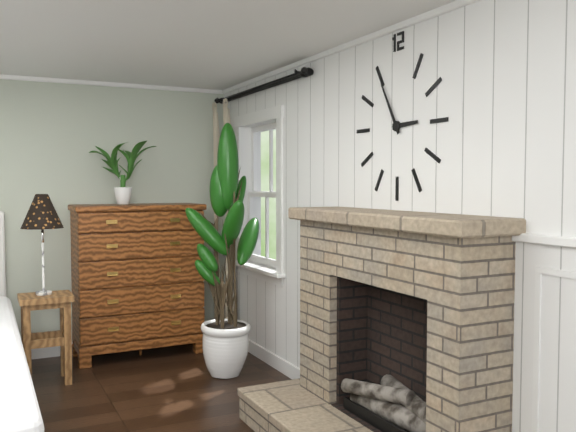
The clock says 2.55
